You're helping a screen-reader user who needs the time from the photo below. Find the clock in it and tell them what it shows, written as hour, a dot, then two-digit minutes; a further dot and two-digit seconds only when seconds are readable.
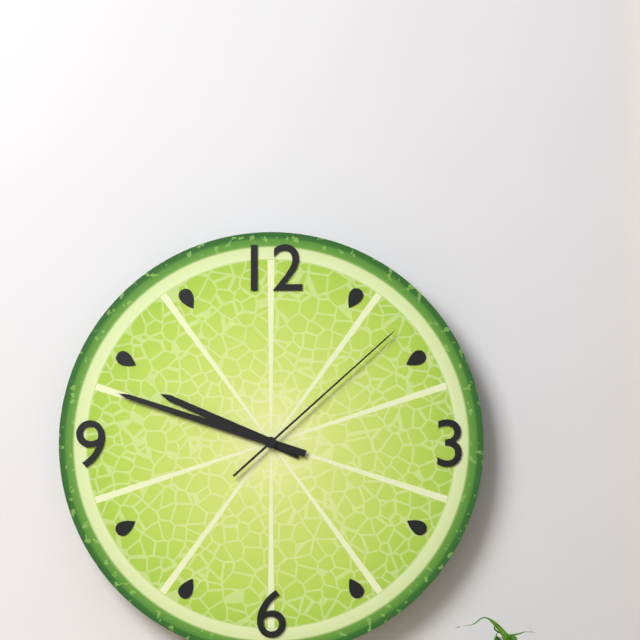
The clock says 9.48.08
